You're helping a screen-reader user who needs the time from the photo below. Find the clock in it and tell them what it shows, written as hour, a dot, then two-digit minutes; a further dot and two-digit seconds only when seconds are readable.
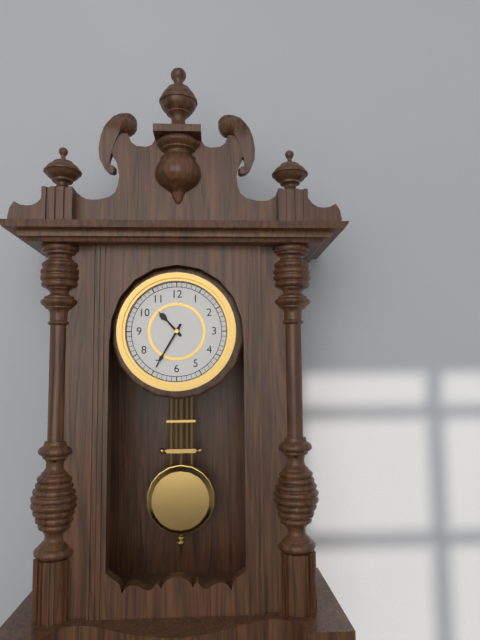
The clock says 10.35
